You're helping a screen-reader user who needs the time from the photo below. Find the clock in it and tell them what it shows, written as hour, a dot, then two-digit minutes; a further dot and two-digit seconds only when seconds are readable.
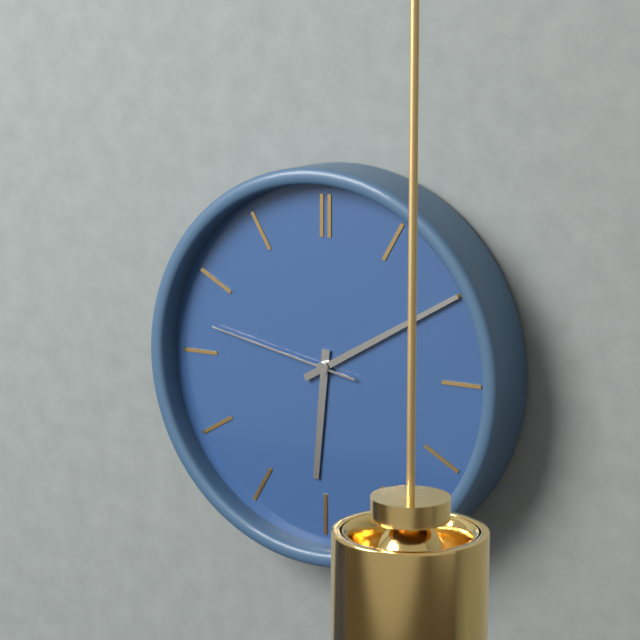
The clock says 6.10.47
